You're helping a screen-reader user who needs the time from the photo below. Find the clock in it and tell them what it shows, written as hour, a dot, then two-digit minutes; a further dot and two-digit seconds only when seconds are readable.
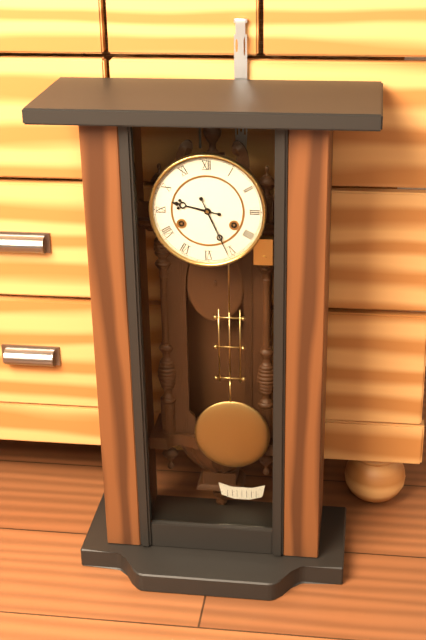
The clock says 9.26
